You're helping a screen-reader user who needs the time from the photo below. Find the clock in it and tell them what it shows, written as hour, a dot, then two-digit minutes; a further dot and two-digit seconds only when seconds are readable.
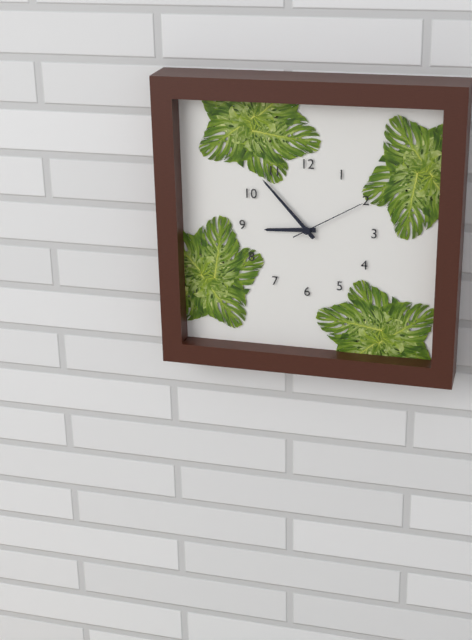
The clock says 8.53.10
